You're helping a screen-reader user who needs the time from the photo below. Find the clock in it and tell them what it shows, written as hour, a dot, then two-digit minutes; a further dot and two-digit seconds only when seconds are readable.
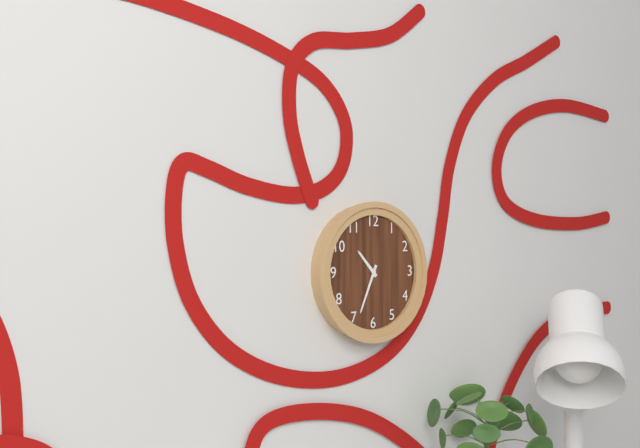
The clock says 10.34
